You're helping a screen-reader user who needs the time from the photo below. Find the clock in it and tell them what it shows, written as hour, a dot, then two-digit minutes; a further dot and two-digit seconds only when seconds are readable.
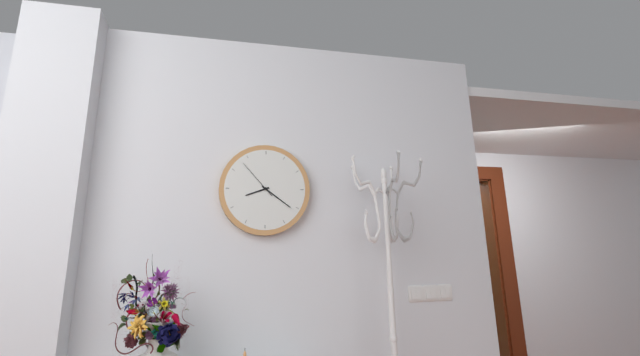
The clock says 8.21
